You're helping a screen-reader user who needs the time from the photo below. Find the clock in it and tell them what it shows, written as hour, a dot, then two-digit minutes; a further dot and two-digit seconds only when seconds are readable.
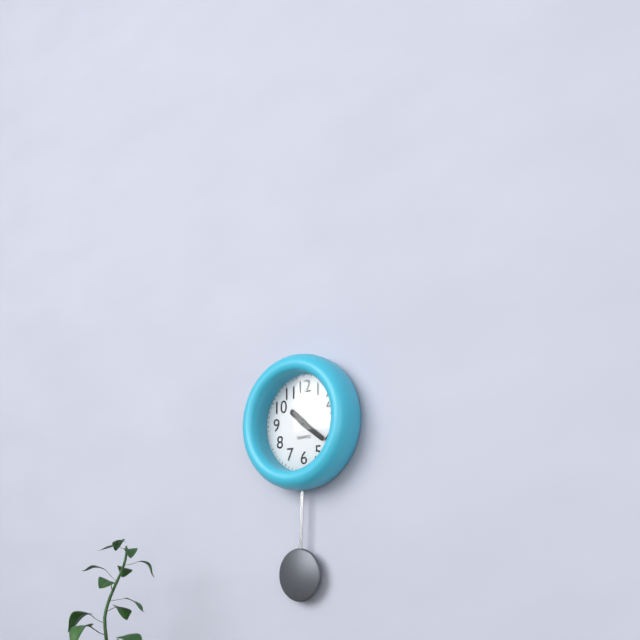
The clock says 10.21
